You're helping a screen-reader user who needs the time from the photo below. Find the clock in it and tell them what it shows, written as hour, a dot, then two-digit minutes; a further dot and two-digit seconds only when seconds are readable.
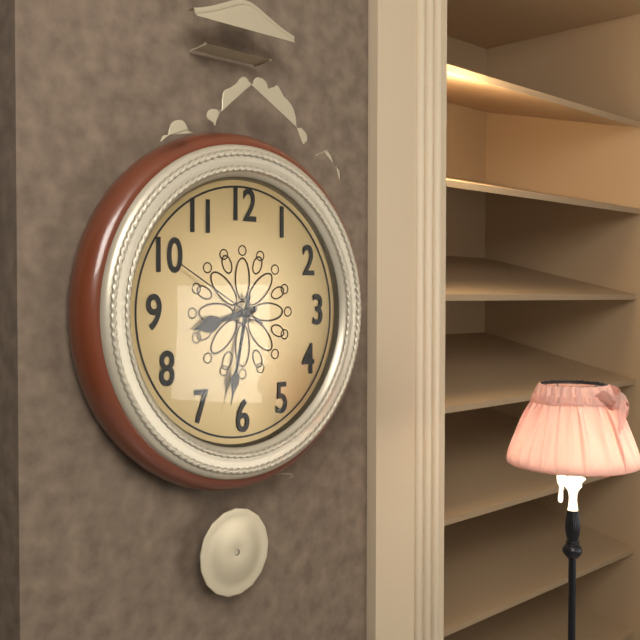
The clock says 8.32.50
